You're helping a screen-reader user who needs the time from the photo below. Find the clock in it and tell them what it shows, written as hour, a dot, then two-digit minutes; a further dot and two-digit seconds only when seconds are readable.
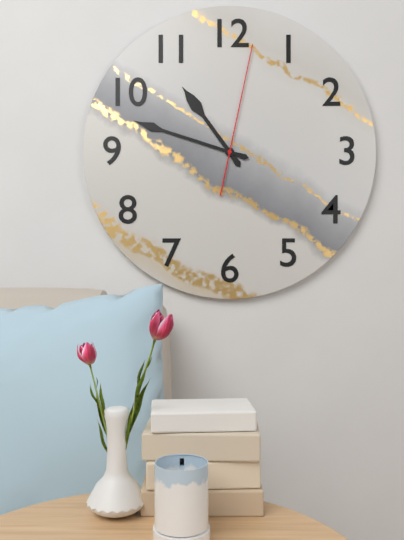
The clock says 10.48.02
